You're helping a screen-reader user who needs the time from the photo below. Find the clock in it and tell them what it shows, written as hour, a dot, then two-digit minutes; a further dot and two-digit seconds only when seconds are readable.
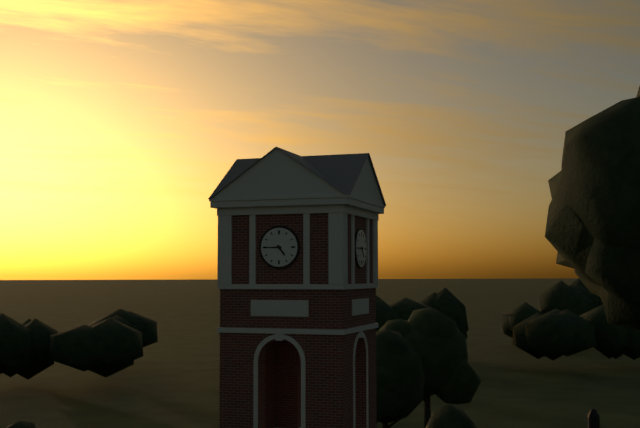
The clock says 4.45
